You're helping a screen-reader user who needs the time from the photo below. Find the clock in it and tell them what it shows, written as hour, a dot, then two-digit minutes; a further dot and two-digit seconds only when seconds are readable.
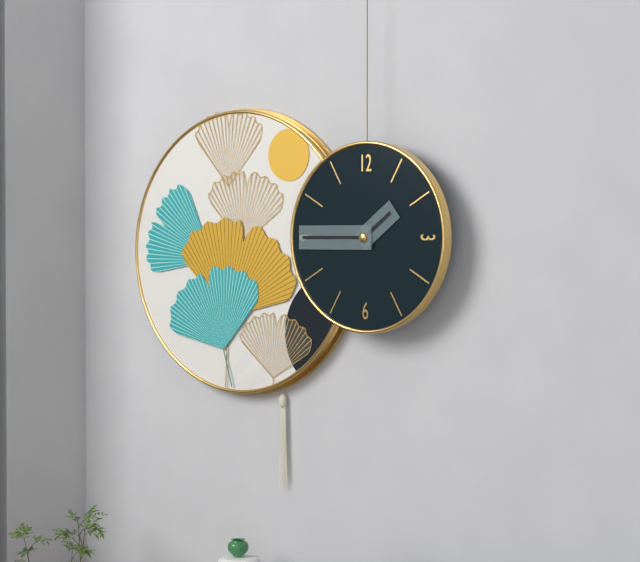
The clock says 1.45
